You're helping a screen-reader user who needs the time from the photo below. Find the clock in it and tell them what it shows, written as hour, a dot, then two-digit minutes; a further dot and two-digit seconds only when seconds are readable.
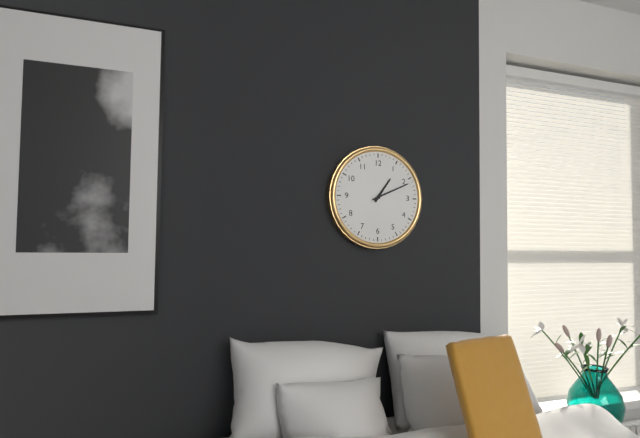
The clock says 1.11
